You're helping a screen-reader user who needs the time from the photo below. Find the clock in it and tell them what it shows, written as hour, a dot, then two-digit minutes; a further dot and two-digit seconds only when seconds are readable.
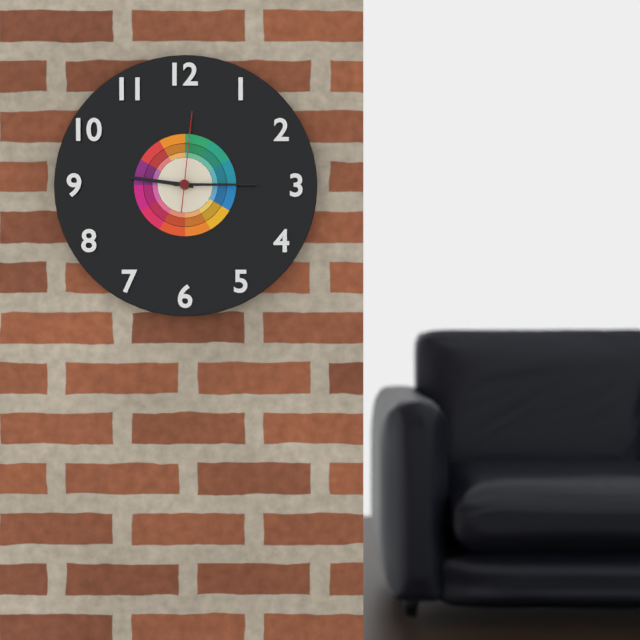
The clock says 9.15.01
